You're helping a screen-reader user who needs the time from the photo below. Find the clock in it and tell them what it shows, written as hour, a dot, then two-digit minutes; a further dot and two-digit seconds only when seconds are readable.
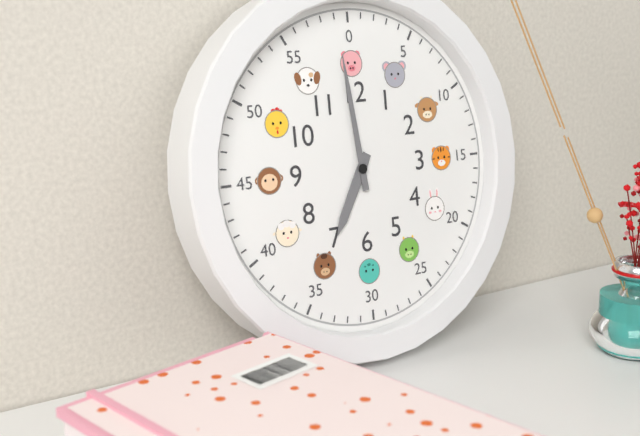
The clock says 6.59
